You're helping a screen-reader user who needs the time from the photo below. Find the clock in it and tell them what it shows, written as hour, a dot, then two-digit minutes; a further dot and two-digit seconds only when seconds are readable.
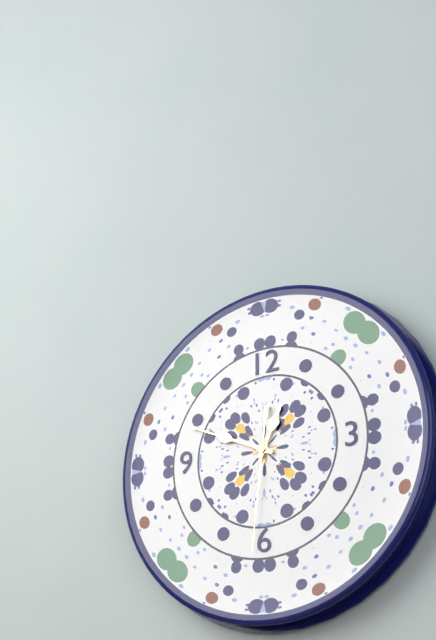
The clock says 12.49.31
